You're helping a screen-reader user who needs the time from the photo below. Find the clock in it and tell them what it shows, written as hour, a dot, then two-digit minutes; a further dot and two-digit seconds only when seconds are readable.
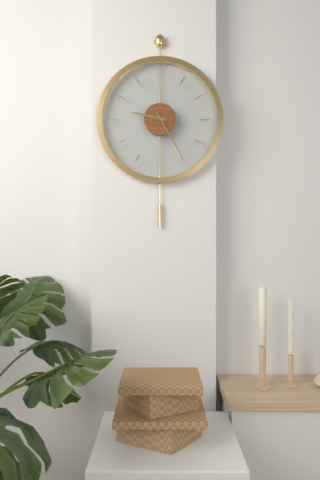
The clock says 9.25
